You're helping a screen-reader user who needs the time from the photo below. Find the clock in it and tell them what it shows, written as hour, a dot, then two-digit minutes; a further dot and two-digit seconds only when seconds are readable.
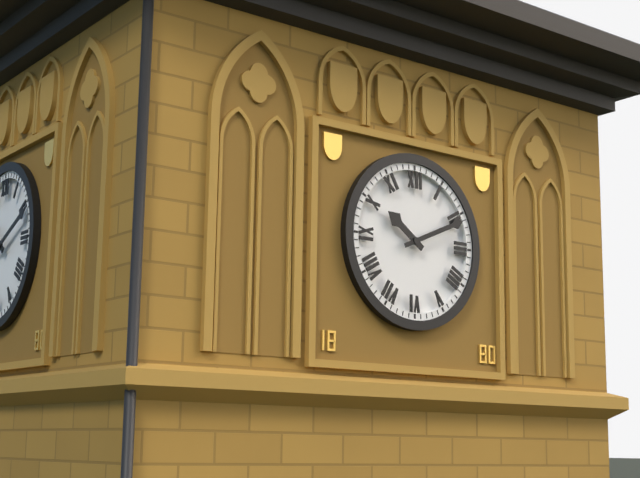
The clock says 10.11
